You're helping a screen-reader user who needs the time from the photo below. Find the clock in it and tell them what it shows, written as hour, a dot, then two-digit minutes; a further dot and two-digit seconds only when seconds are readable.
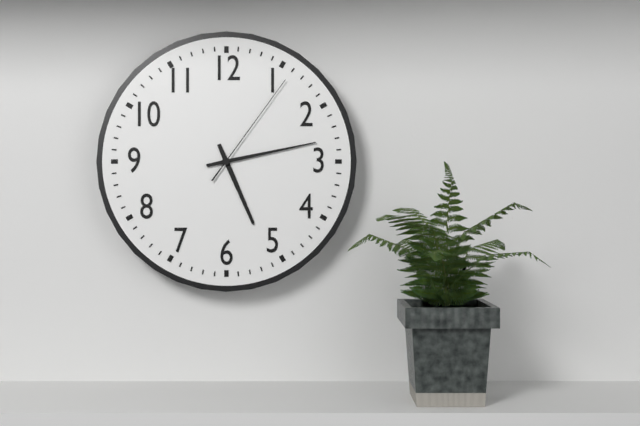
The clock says 5.13.06
